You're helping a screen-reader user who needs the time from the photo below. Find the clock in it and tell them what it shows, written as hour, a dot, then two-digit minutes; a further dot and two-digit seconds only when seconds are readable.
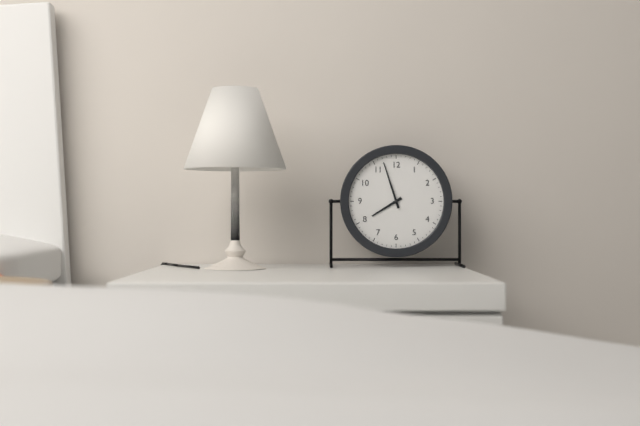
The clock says 7.57
